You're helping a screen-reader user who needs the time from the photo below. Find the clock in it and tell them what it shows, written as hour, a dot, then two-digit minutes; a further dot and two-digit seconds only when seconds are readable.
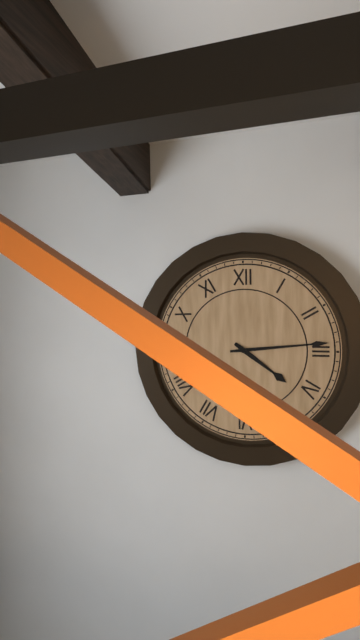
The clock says 4.14
